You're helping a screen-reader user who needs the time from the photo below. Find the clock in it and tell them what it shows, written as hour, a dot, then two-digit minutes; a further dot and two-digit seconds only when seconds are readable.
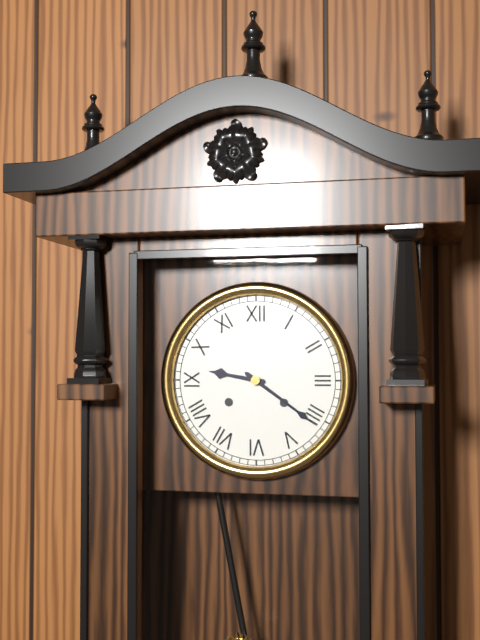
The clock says 9.21
